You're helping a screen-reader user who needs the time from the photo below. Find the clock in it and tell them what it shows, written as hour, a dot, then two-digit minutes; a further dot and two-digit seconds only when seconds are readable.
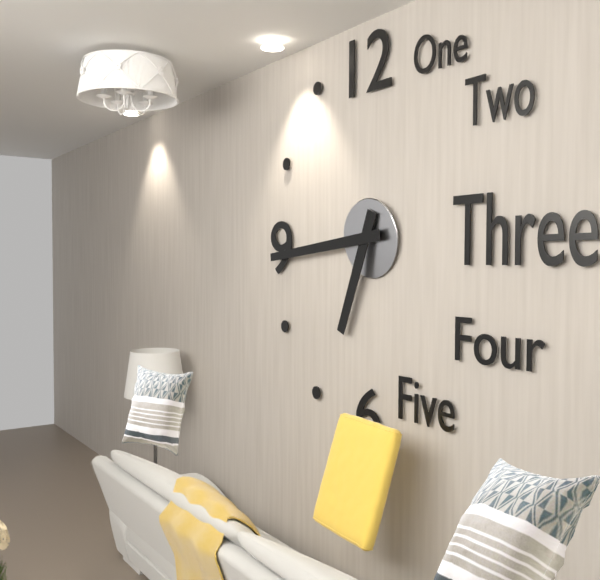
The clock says 6.44
